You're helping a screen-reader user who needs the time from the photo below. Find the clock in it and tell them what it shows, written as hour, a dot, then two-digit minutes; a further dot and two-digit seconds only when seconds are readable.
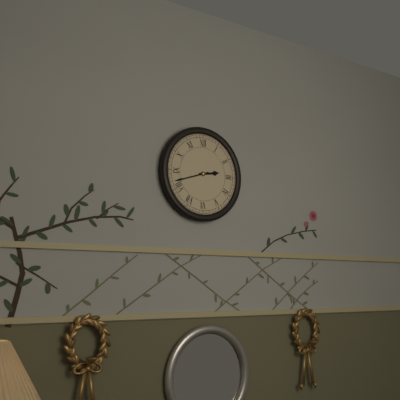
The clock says 2.42
